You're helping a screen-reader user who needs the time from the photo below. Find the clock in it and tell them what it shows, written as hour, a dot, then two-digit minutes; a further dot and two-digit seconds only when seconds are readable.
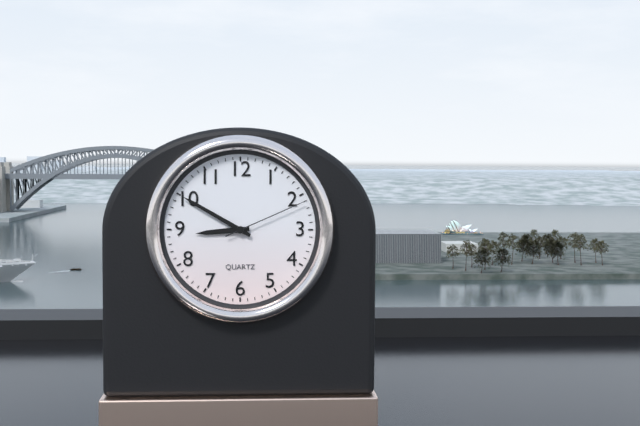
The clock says 8.50.11
